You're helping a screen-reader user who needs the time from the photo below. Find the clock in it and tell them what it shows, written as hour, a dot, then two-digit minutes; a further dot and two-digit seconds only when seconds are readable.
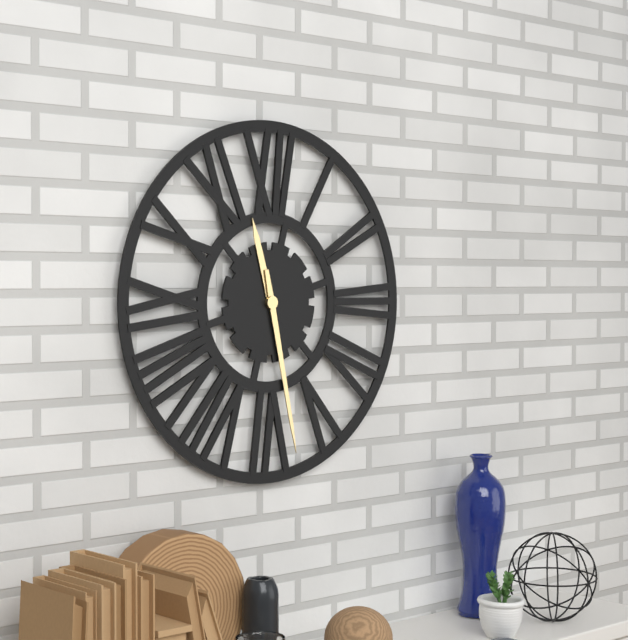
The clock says 11.28
